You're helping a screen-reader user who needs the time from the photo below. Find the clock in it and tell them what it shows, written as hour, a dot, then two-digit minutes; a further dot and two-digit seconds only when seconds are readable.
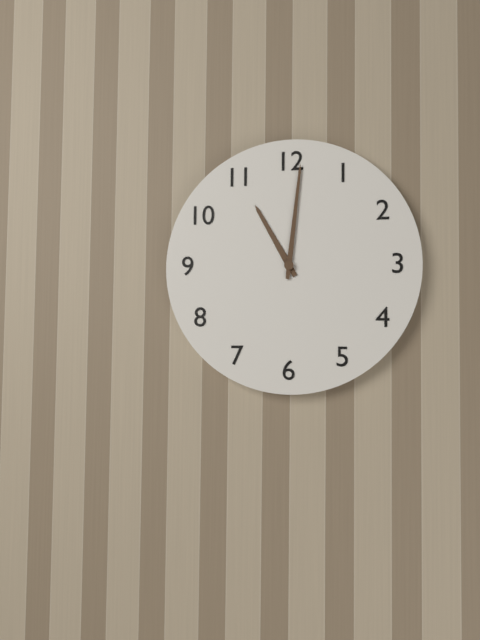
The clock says 11.01
